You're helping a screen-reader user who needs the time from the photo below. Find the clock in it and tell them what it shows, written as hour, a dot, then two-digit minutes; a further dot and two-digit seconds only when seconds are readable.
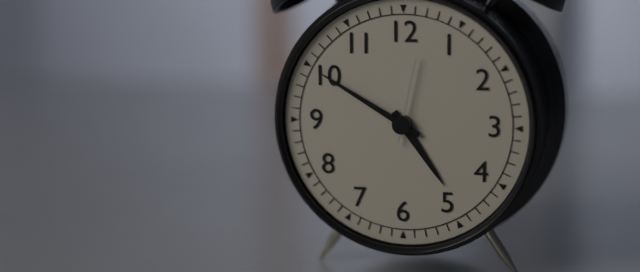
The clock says 4.50.02
